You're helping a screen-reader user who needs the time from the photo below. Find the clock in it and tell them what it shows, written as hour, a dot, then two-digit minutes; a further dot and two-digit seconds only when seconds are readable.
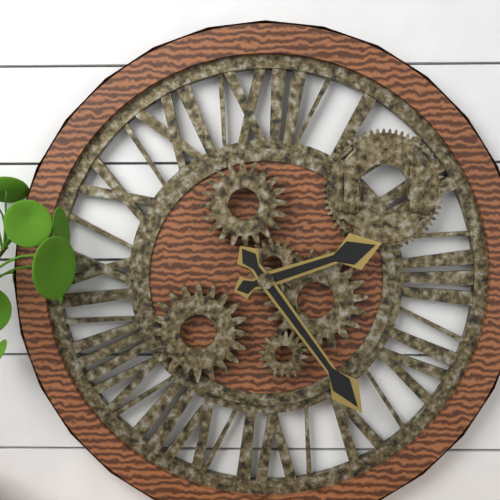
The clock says 2.24
